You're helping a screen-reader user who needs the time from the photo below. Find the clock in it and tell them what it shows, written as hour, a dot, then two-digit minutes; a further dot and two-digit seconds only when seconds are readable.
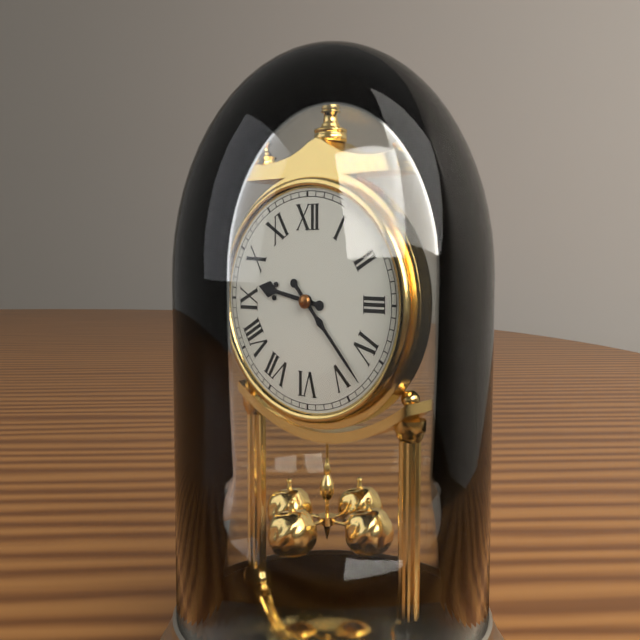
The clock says 9.23
